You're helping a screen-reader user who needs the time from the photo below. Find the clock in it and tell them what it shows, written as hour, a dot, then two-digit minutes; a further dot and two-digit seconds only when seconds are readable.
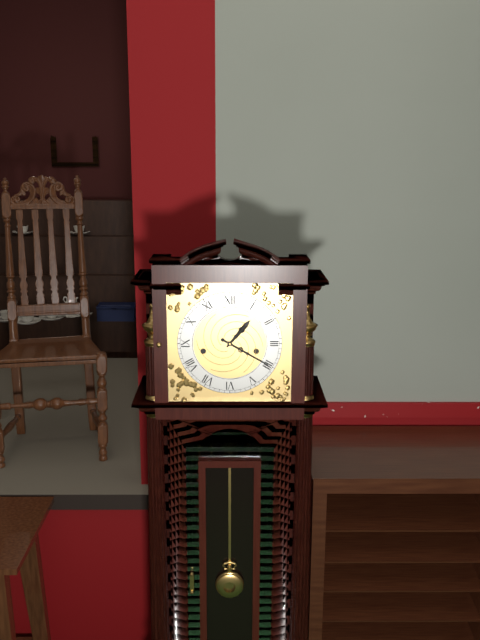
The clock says 1.20
